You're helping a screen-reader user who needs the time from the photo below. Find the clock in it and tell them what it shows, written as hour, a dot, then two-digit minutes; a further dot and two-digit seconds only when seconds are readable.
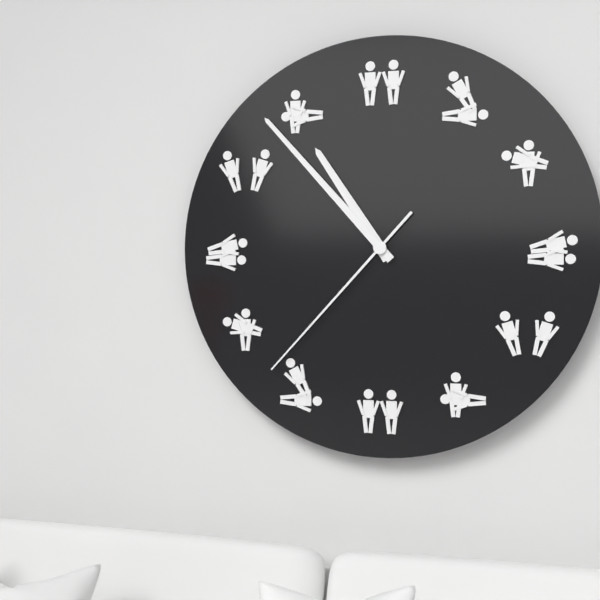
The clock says 10.53.37
